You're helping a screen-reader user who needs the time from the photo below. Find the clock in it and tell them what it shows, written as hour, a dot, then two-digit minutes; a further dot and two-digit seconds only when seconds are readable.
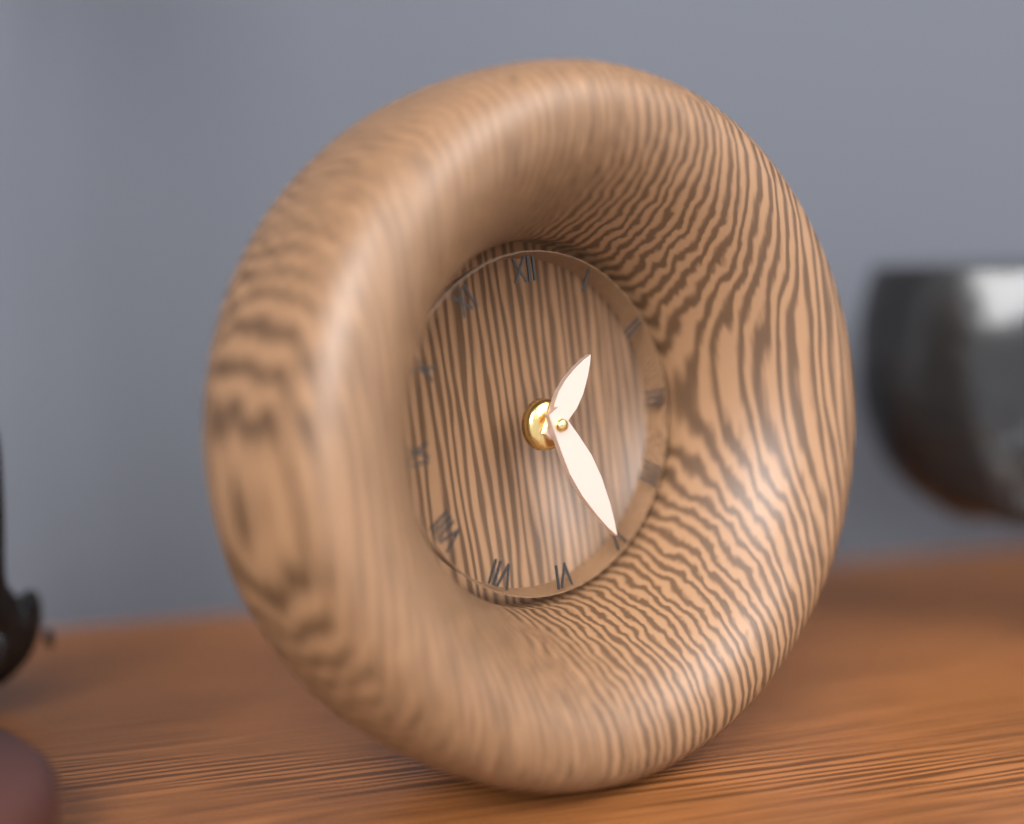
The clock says 1.26
